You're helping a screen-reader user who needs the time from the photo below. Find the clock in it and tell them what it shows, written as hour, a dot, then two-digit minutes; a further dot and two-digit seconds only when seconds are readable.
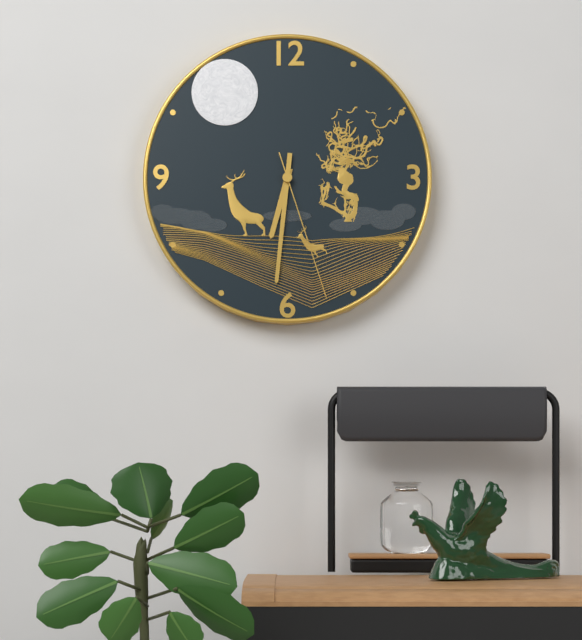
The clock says 6.31.27
